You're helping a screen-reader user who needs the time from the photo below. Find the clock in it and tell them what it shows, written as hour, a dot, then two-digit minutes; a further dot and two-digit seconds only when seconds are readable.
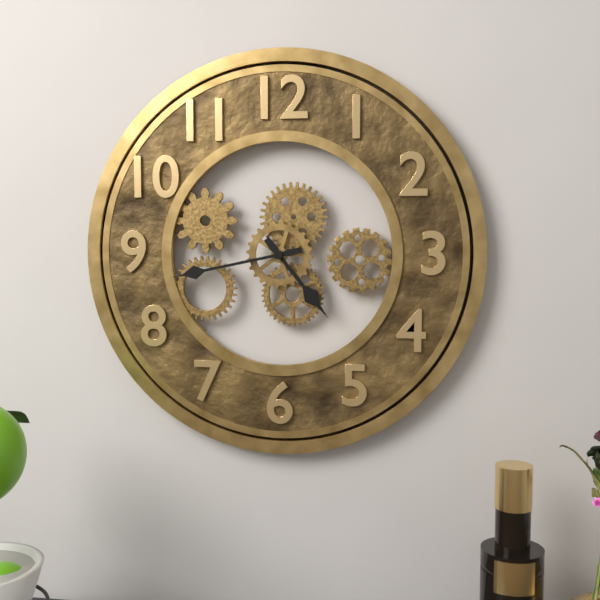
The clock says 4.43
